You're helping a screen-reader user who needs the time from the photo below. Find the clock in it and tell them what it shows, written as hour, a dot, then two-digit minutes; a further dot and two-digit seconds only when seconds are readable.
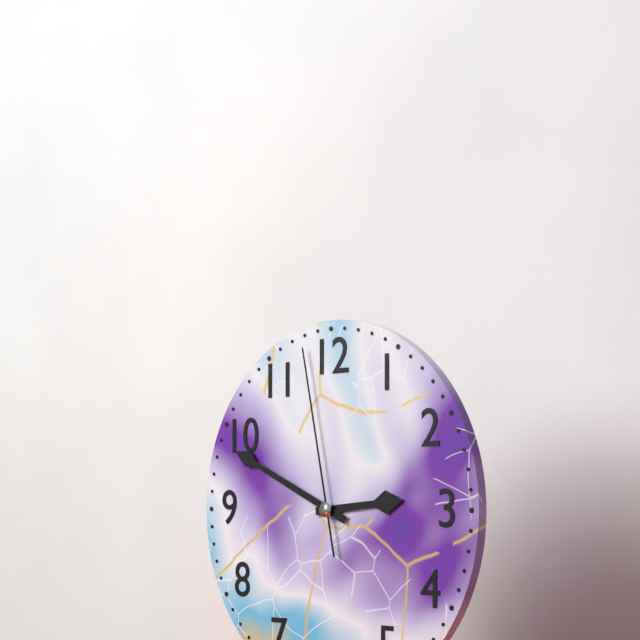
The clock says 2.49.58
